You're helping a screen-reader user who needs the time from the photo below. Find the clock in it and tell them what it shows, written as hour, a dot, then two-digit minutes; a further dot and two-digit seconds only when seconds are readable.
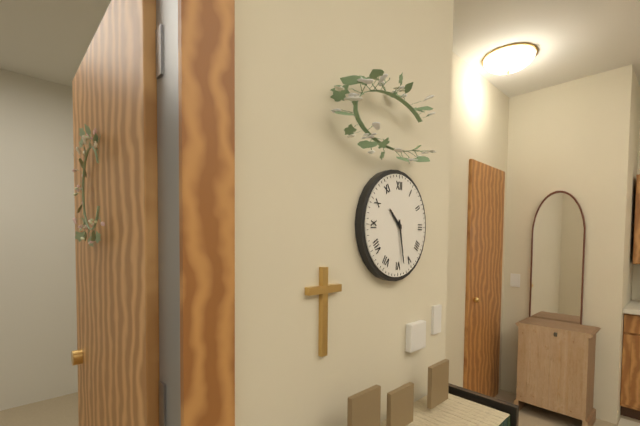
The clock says 10.28
